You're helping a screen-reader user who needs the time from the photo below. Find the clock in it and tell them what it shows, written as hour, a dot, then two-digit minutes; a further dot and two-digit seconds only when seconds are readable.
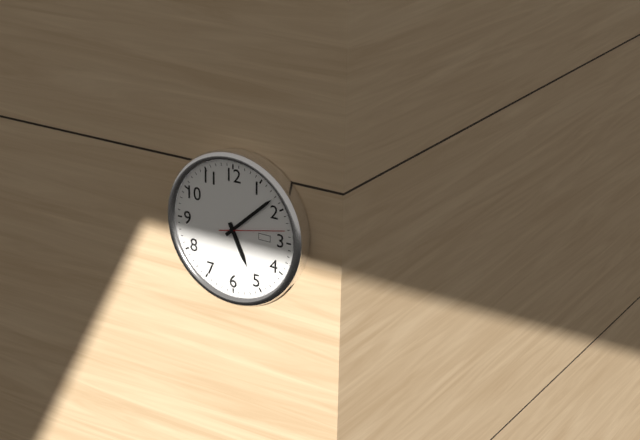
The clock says 5.08.13
